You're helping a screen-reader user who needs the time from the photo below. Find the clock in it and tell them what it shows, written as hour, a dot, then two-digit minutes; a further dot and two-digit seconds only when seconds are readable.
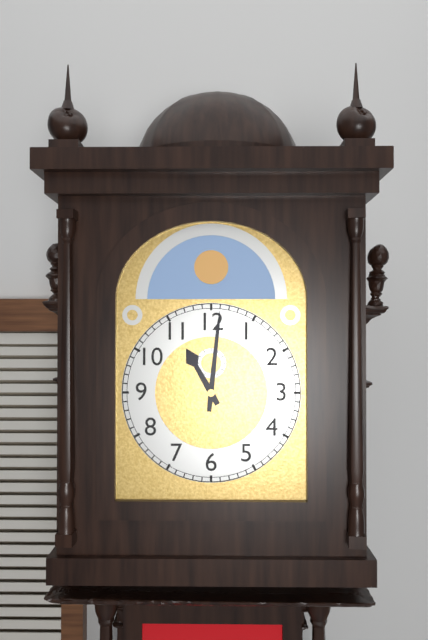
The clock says 11.01
